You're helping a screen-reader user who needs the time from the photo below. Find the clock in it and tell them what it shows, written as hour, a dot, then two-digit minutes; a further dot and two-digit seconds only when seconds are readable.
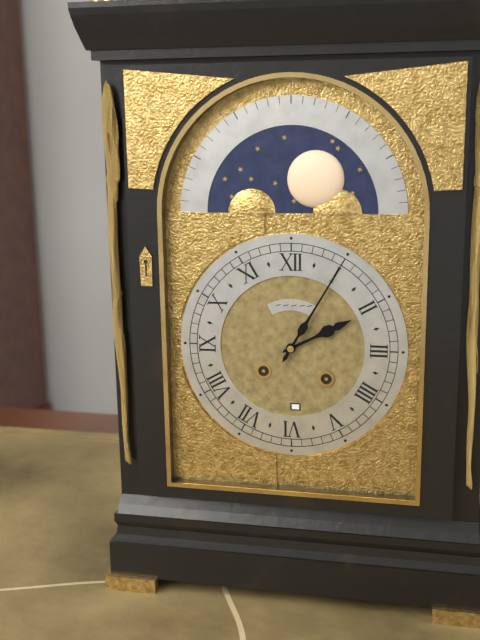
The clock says 2.05
